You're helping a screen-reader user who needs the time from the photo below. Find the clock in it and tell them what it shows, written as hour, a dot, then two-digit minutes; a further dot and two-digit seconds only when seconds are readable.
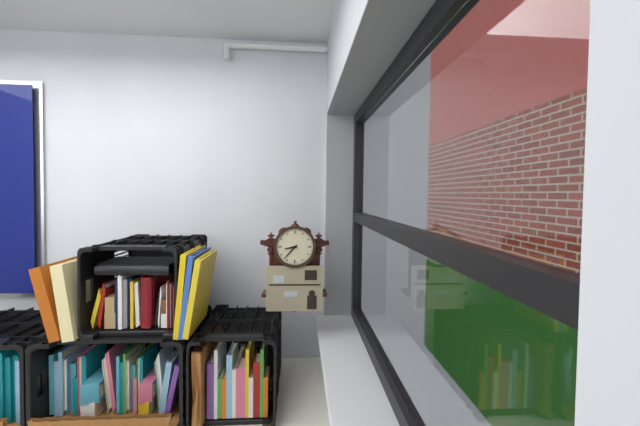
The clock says 8.37
